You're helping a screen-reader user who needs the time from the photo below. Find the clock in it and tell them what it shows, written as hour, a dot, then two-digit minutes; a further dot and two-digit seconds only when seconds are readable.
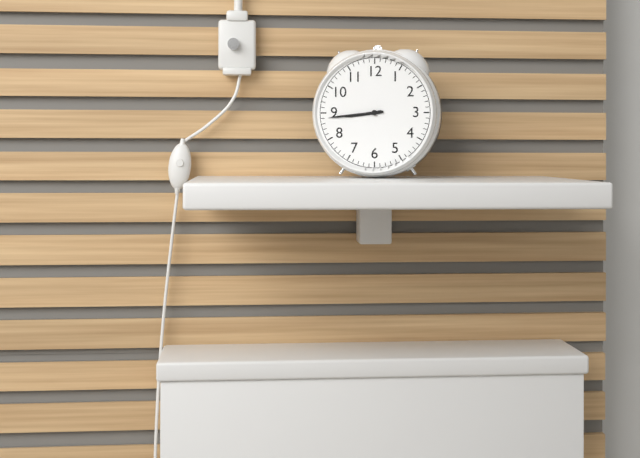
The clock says 8.44
